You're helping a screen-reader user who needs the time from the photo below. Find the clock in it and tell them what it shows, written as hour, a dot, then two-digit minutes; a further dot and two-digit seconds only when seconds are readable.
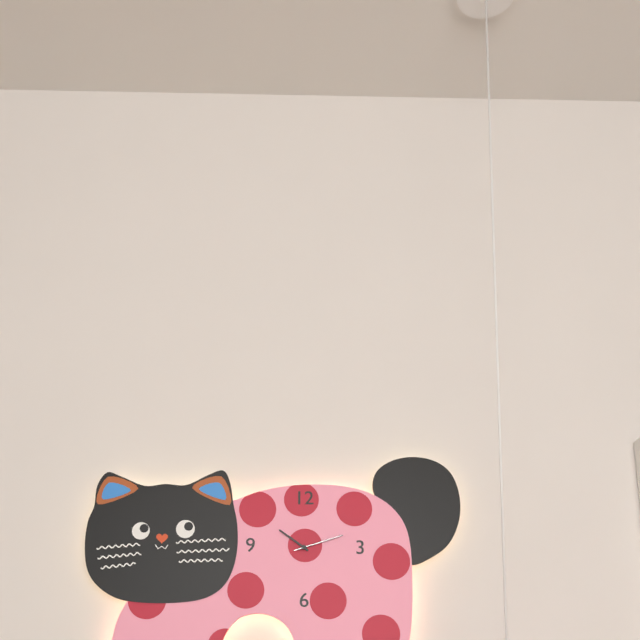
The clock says 10.12.12
